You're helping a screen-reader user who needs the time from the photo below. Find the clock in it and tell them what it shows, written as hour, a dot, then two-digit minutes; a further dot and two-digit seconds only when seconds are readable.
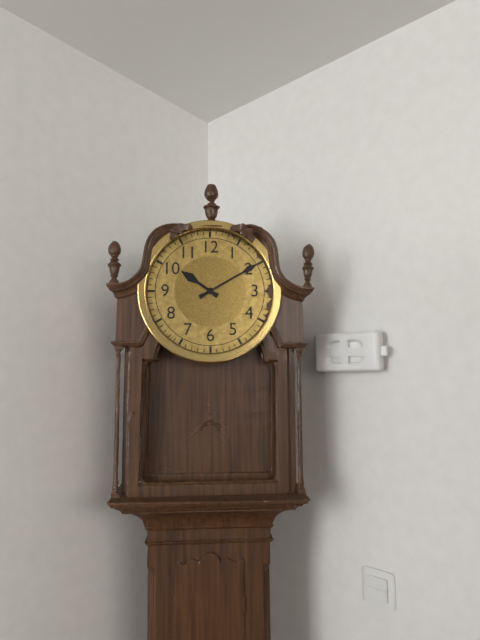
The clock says 10.10
